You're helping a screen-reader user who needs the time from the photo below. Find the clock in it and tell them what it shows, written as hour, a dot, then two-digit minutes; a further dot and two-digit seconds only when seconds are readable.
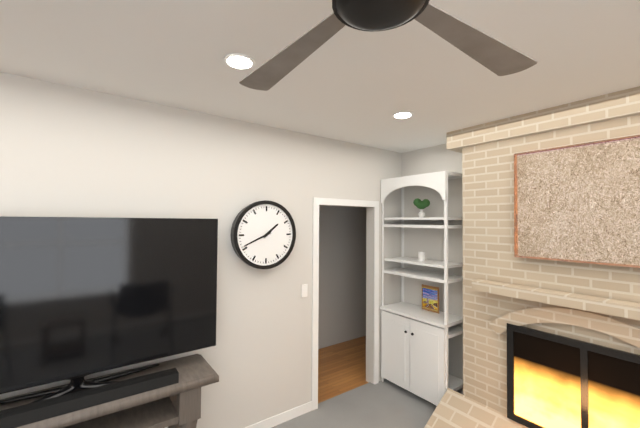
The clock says 1.41
